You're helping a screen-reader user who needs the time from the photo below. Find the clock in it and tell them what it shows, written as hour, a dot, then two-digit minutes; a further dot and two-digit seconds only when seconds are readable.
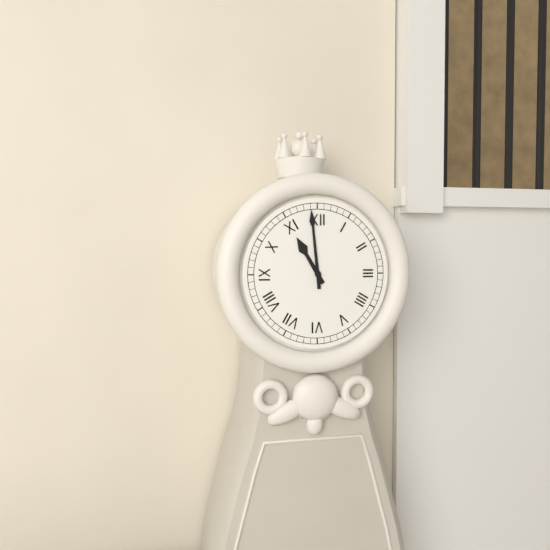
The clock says 10.59
